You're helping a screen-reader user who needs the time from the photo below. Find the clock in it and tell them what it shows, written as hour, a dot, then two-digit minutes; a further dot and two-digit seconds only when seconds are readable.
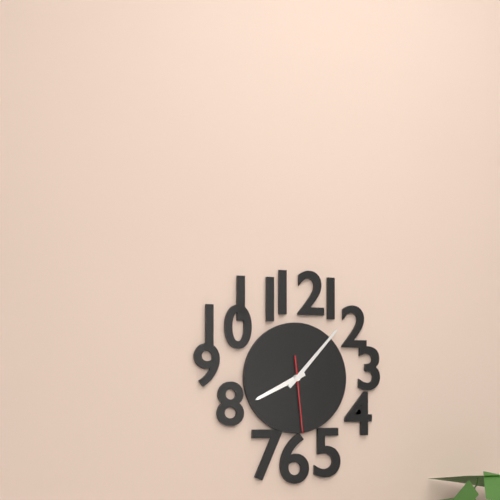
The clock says 8.07.29
